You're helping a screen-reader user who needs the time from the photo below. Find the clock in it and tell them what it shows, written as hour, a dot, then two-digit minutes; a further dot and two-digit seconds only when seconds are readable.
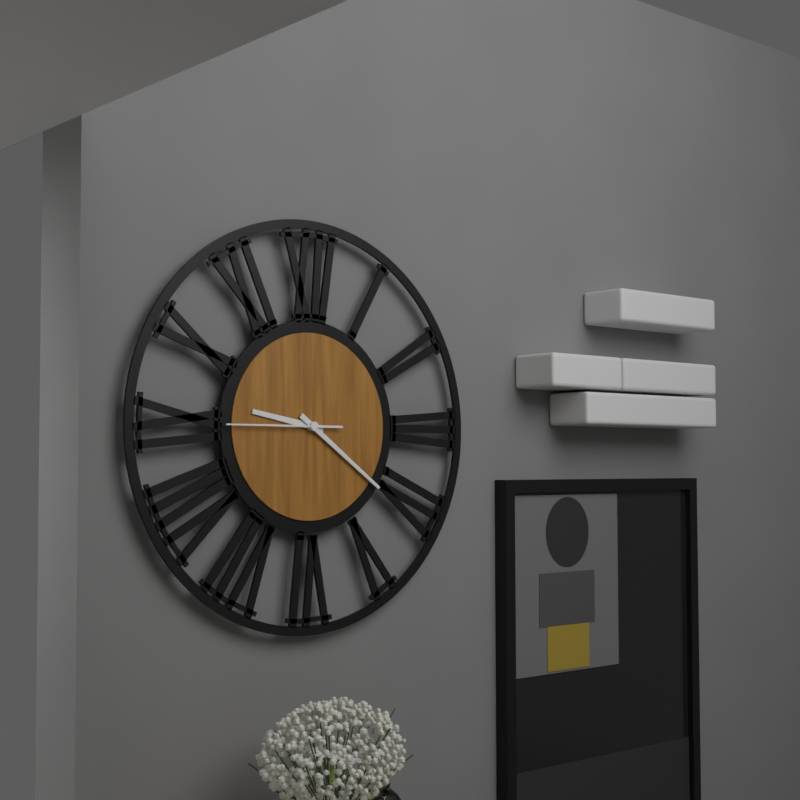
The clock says 9.21.45
